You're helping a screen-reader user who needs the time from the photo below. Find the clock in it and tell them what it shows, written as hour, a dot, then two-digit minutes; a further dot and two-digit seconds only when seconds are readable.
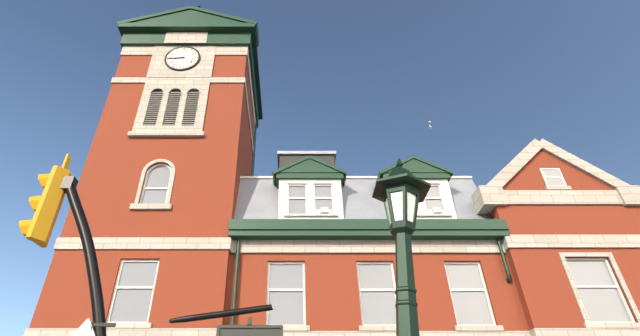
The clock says 8.44
